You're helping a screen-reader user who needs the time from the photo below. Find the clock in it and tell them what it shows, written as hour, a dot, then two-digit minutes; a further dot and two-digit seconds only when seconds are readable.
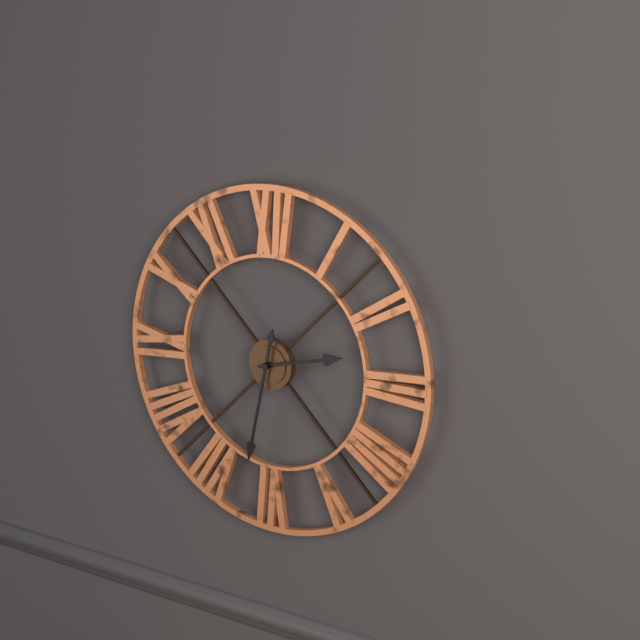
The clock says 2.32
